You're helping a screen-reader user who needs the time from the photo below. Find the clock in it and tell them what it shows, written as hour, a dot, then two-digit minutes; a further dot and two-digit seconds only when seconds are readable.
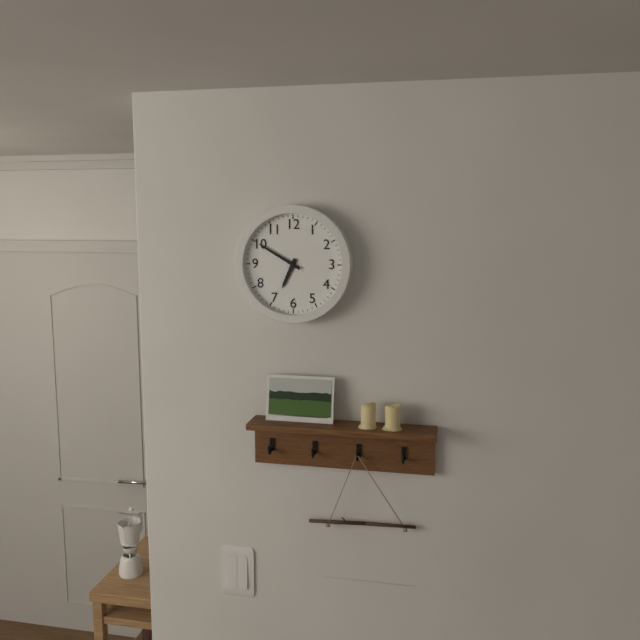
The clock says 6.50
